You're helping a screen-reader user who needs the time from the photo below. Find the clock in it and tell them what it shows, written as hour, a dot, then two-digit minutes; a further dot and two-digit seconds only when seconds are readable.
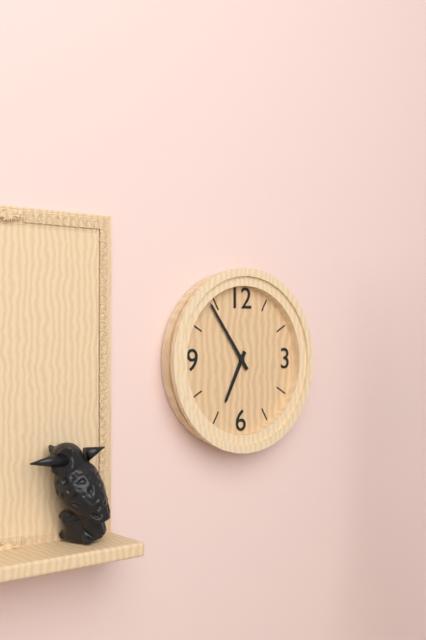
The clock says 6.54
